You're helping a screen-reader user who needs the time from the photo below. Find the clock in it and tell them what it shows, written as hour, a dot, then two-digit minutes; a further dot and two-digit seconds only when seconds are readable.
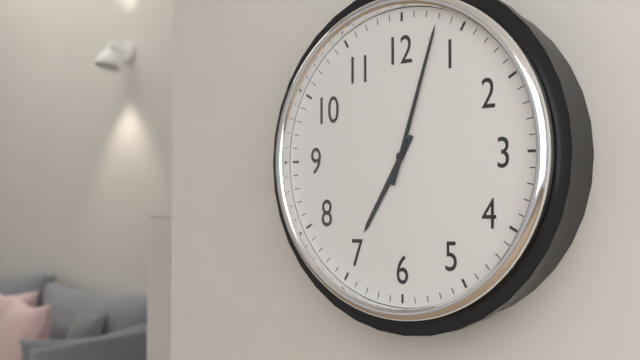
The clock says 7.03
